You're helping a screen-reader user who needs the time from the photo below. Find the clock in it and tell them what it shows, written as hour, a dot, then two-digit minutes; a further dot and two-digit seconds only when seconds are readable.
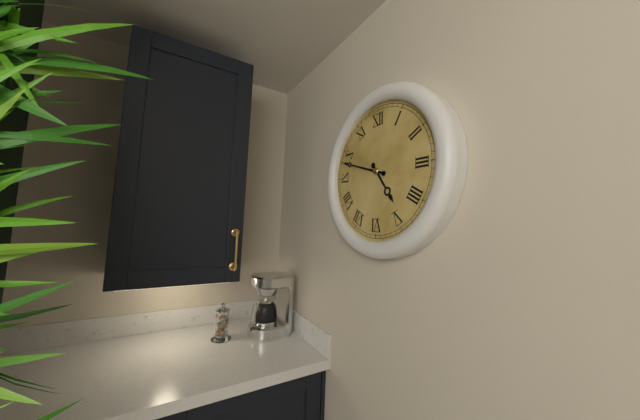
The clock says 4.48
